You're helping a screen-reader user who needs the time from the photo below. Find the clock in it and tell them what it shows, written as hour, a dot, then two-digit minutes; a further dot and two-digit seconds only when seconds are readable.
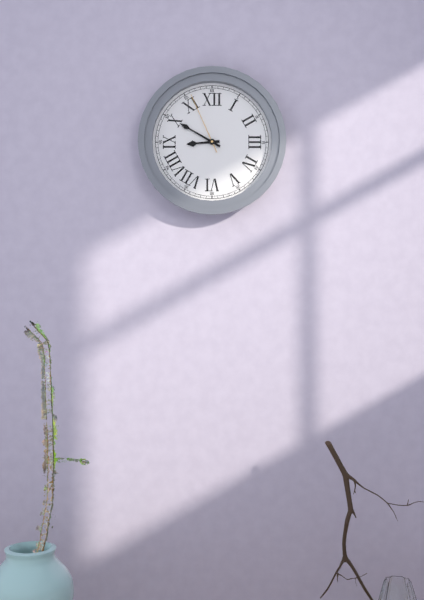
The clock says 8.50.56
